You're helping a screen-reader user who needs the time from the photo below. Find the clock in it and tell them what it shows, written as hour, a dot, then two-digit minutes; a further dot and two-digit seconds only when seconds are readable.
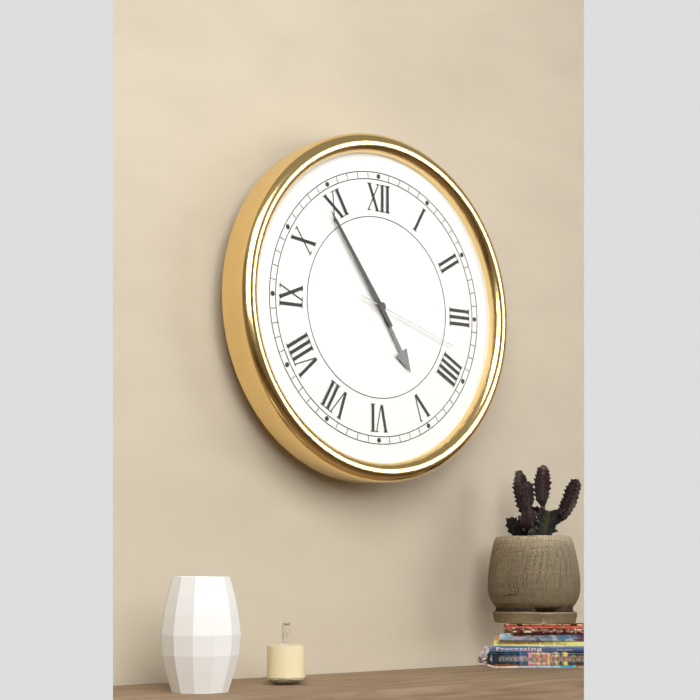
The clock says 4.54.18
